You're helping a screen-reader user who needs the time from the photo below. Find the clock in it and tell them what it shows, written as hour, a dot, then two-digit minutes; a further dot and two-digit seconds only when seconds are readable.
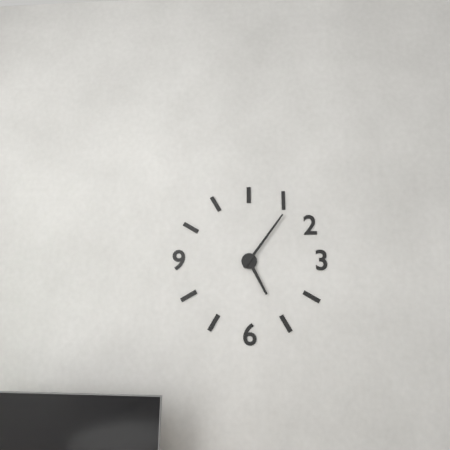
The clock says 5.06
